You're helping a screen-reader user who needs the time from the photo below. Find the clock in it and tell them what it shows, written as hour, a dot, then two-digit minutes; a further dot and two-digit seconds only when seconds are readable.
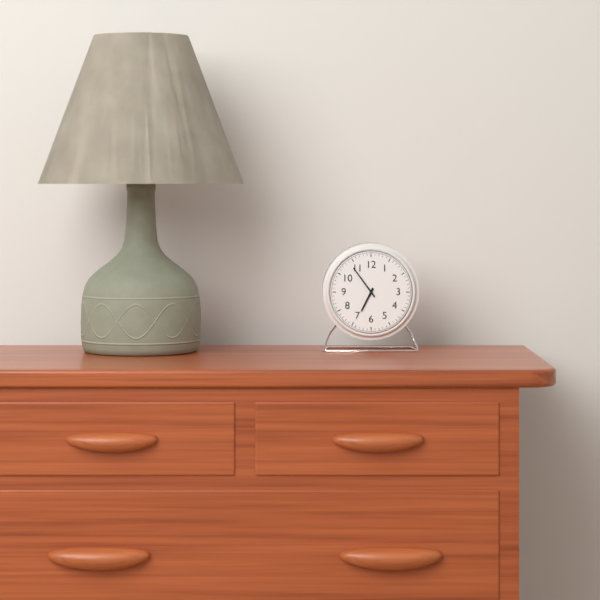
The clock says 6.54
